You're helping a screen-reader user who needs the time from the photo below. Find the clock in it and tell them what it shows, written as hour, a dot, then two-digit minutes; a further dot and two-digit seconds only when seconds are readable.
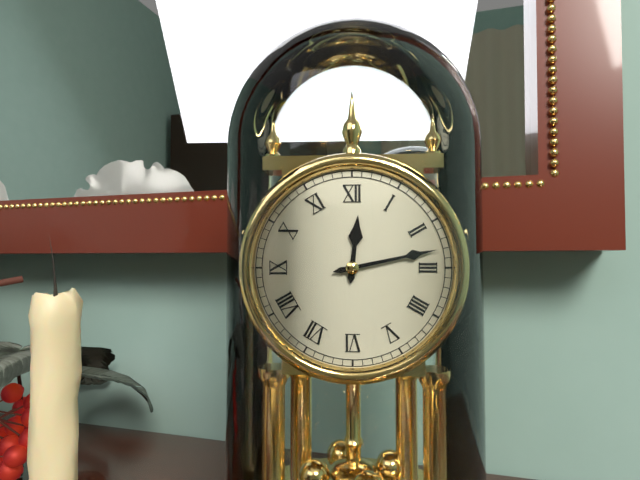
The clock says 12.13
